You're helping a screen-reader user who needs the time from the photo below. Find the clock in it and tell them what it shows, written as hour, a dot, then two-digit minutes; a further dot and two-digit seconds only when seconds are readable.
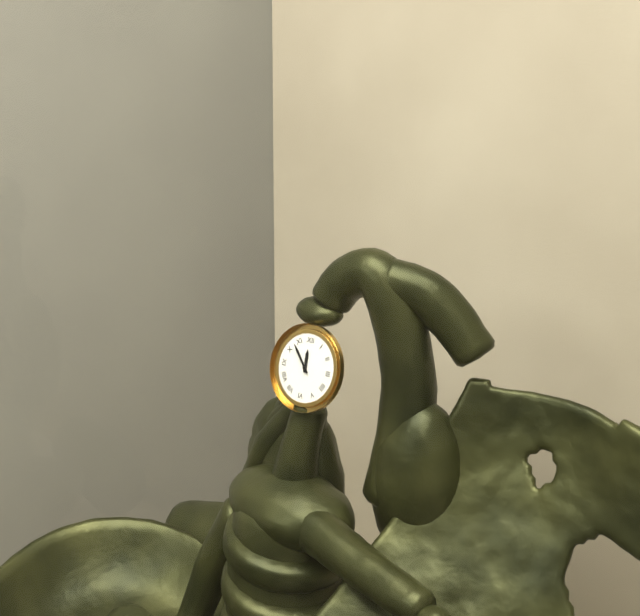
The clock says 11.53
